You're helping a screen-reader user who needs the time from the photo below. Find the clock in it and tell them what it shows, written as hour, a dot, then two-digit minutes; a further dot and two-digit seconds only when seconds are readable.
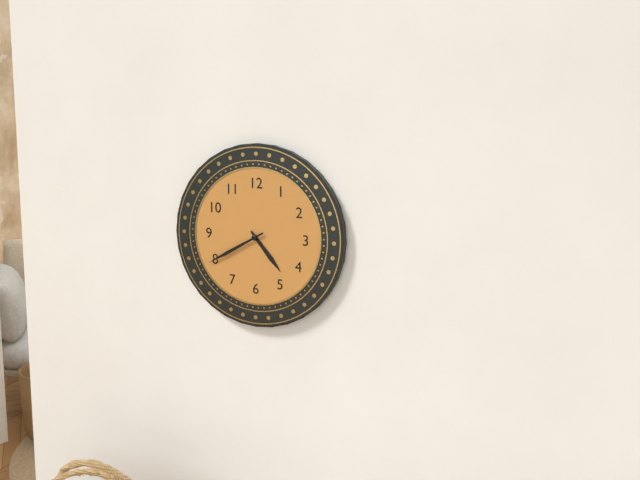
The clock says 4.40
